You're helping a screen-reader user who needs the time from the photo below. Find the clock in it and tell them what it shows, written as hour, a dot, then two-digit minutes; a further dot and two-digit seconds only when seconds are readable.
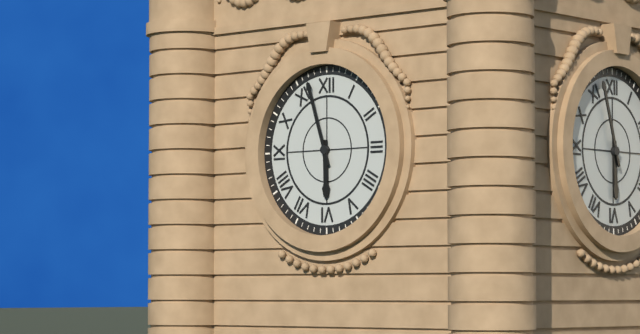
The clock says 5.57
